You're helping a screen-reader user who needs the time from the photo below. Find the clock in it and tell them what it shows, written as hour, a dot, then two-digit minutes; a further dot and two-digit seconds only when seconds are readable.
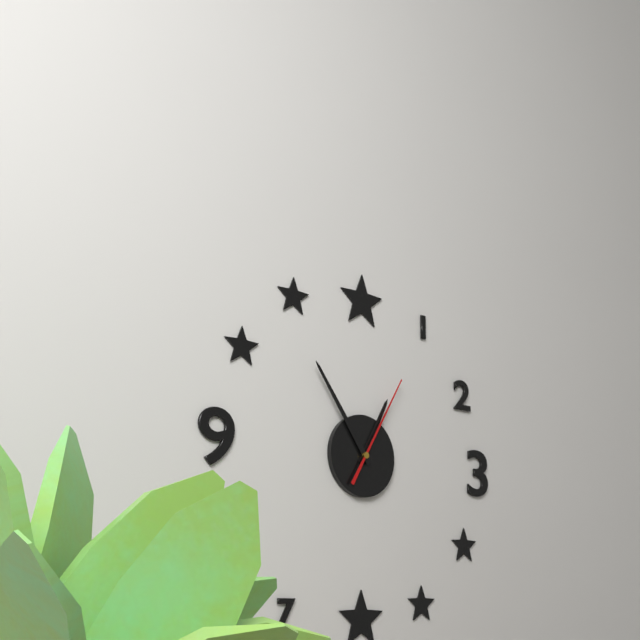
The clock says 12.54.05
